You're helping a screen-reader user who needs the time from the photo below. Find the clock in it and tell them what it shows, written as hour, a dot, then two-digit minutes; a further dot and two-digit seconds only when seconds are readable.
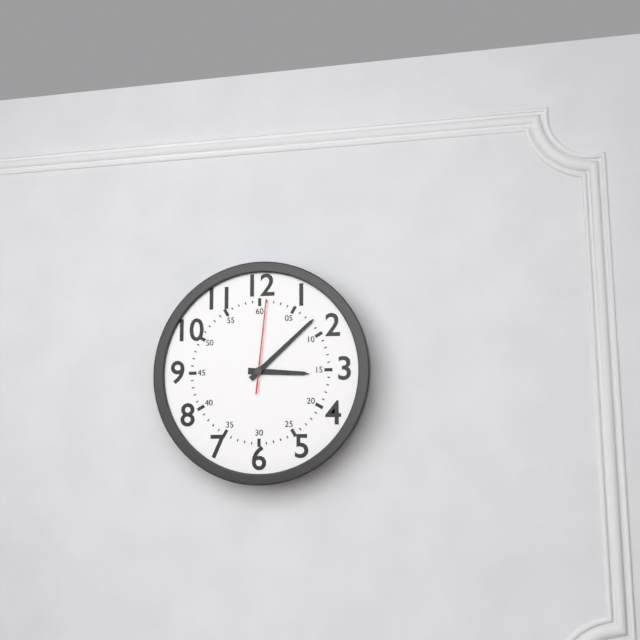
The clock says 3.08.01
